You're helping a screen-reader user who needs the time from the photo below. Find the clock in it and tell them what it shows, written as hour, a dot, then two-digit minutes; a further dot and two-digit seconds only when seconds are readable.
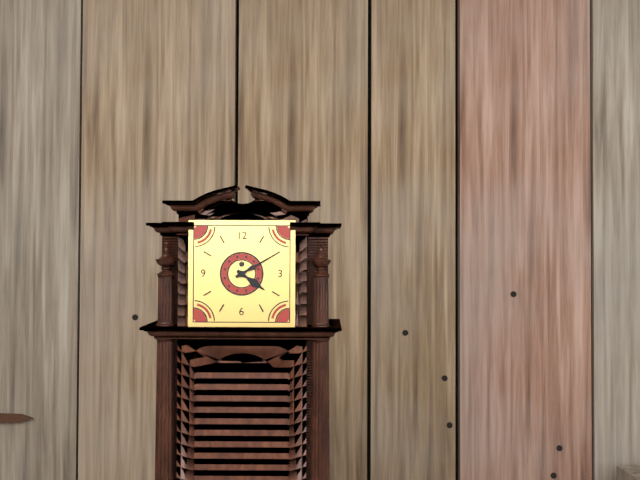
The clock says 4.10
